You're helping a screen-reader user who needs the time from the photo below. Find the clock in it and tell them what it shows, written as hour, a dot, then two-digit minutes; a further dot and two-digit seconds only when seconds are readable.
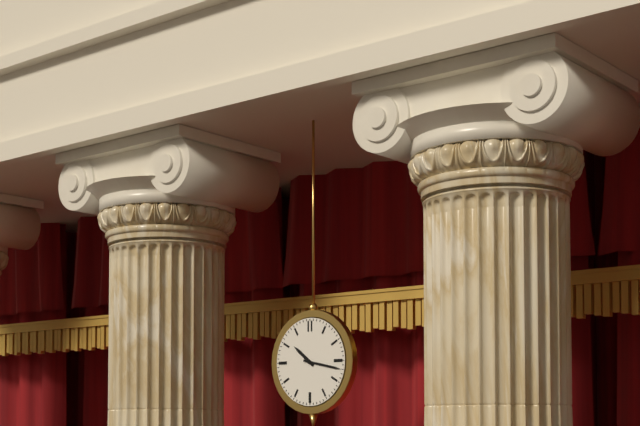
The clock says 10.17
